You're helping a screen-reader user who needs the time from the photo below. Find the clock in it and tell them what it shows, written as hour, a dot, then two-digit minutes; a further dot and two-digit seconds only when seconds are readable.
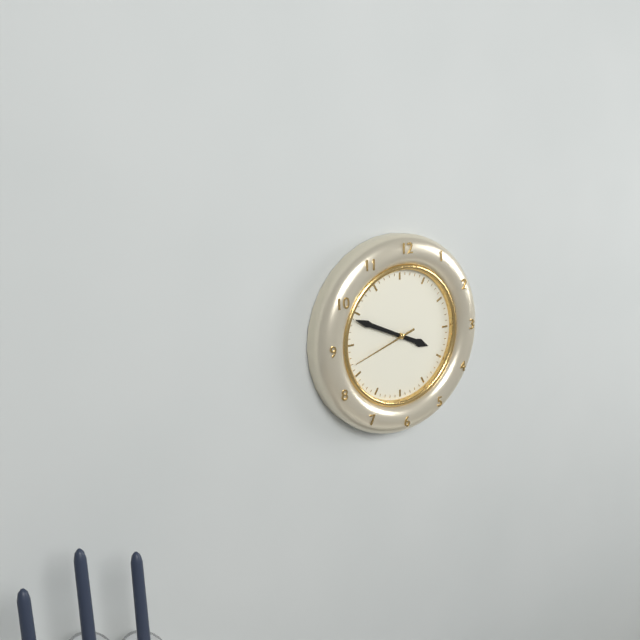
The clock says 3.49.42
